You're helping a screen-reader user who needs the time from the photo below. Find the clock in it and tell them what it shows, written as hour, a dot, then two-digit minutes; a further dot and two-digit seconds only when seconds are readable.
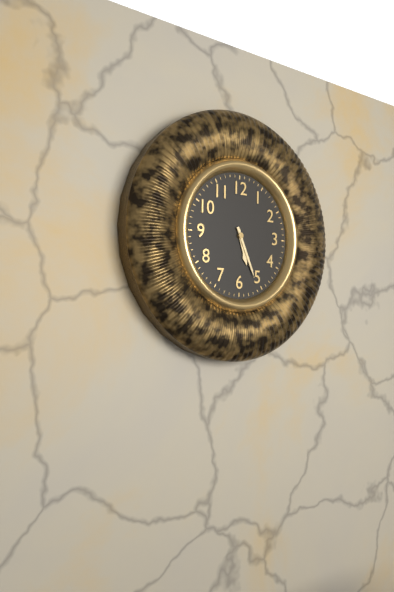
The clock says 5.26
